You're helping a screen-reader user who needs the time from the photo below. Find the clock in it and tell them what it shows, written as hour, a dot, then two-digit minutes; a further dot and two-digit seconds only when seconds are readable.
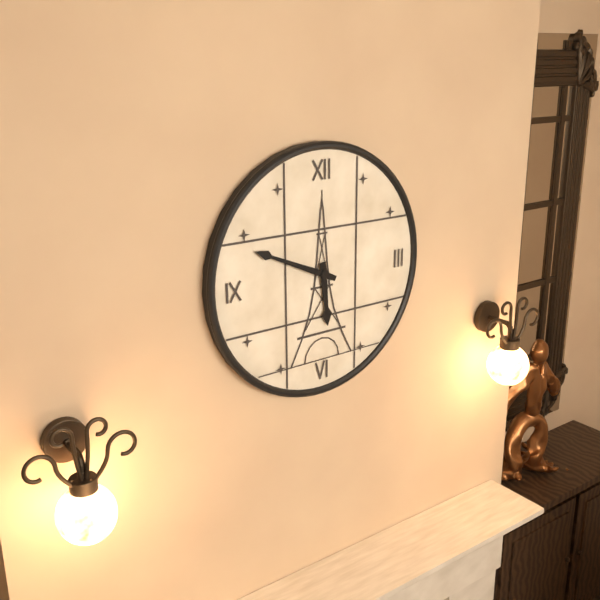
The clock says 5.49
